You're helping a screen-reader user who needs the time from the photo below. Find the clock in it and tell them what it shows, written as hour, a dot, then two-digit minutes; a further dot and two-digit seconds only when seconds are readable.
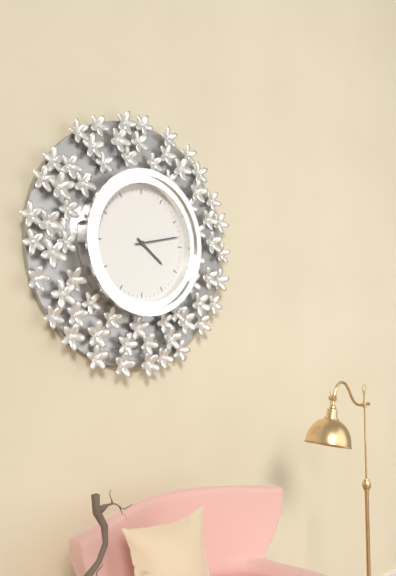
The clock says 4.13
